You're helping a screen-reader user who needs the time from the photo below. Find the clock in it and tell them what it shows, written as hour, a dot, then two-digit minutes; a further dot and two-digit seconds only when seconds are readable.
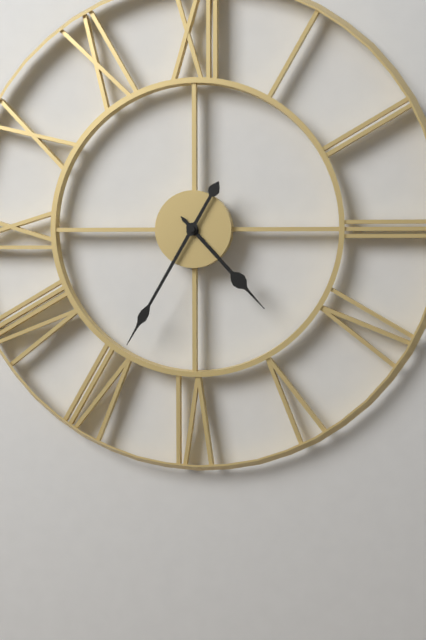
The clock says 4.35
